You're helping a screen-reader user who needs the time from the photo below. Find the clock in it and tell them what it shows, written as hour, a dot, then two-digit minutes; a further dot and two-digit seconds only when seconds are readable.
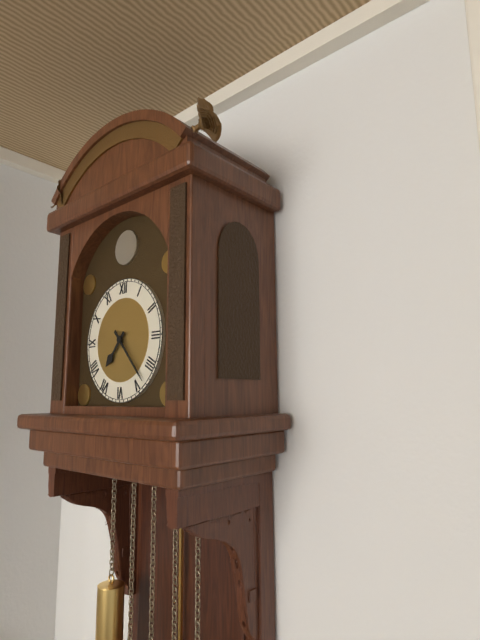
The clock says 7.23
